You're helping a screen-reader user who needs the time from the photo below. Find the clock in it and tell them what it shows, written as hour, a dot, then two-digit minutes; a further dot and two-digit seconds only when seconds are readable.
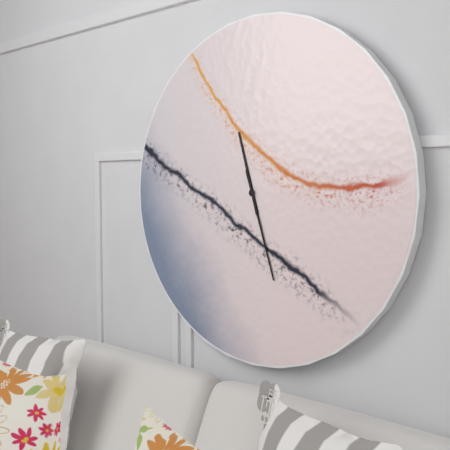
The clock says 11.27
